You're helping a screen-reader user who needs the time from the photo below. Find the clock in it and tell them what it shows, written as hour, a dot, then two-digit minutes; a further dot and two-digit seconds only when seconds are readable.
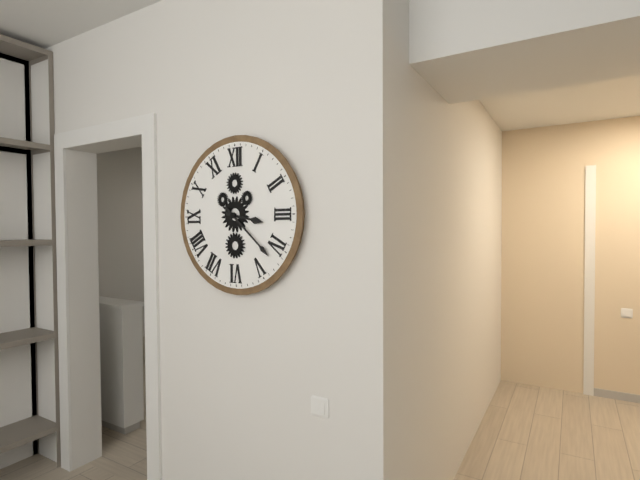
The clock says 3.22
